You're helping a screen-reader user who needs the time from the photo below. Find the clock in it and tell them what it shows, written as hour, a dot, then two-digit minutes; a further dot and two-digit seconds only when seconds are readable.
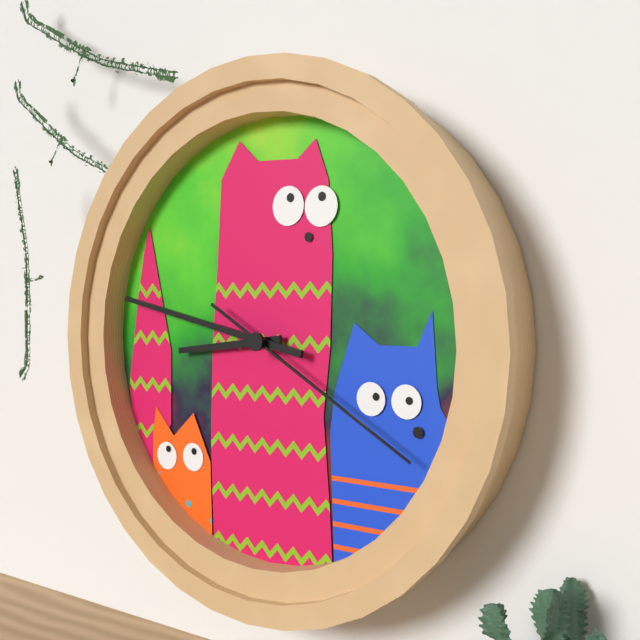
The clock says 8.47.20
